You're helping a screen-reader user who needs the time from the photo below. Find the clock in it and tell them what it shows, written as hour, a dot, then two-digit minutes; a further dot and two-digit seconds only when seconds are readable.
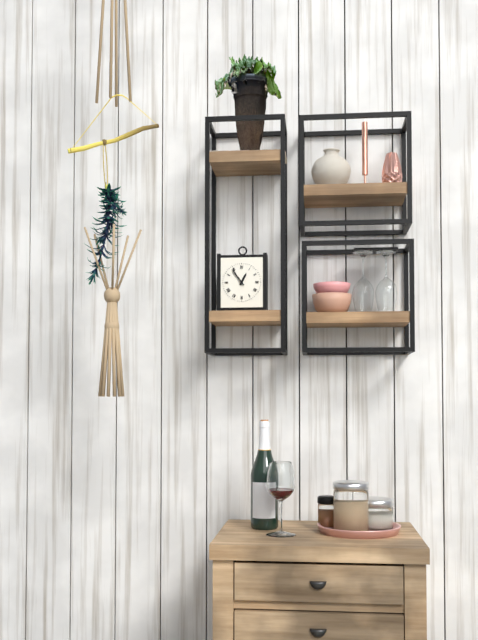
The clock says 12.54
